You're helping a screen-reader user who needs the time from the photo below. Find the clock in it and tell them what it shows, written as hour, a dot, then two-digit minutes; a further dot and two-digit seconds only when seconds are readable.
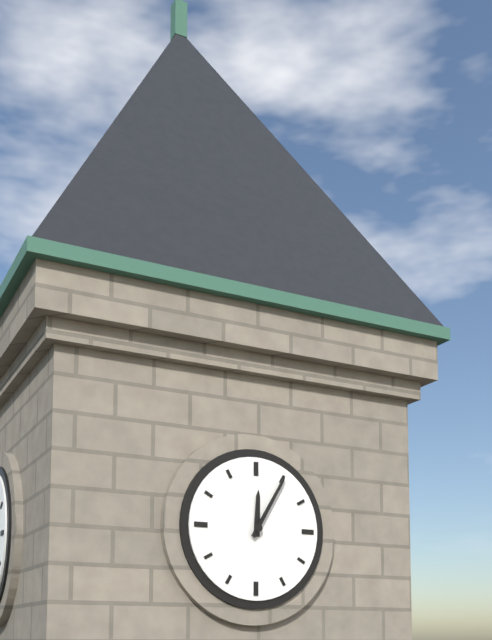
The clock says 12.05
